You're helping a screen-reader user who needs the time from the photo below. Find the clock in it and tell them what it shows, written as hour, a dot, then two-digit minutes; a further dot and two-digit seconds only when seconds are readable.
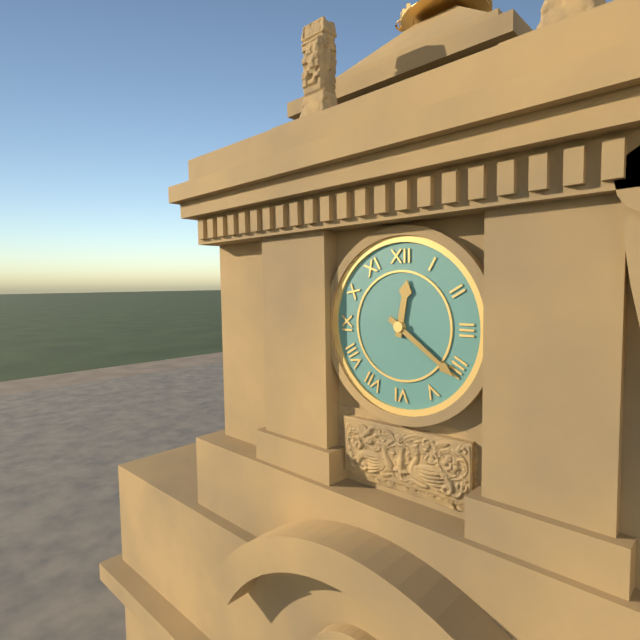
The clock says 12.21
